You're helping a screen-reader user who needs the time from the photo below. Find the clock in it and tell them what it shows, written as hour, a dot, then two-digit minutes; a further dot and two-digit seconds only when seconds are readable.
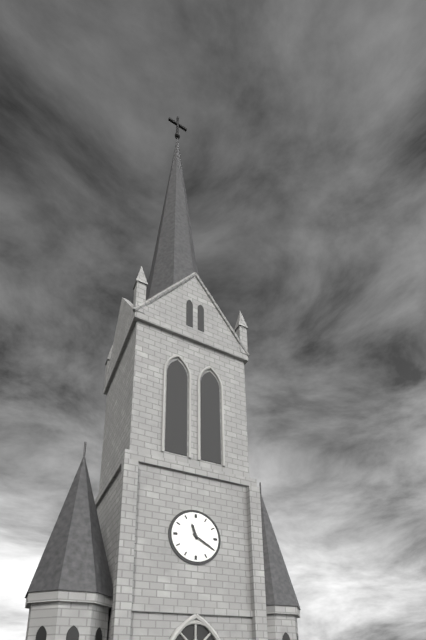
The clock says 11.20
